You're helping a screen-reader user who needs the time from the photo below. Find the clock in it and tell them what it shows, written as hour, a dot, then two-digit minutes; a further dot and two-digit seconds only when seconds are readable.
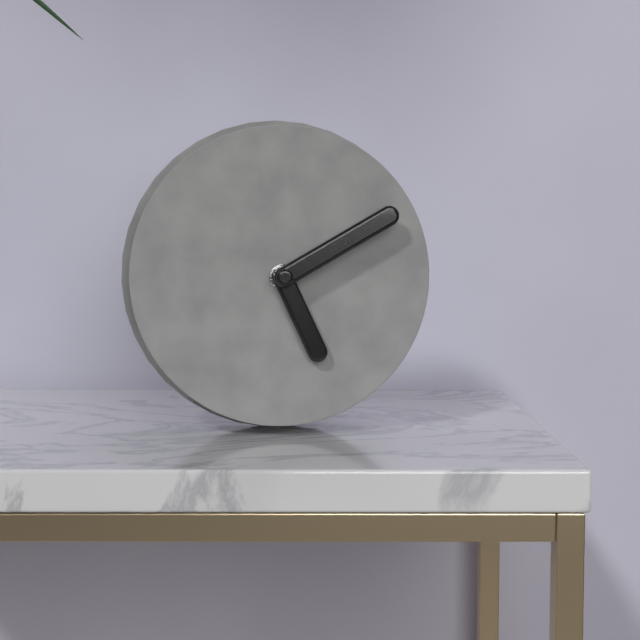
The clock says 5.10
